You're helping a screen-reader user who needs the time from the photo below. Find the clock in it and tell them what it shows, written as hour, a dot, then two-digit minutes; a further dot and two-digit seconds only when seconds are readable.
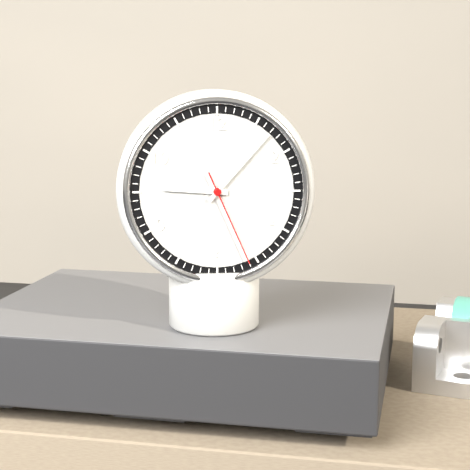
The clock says 9.07.26
